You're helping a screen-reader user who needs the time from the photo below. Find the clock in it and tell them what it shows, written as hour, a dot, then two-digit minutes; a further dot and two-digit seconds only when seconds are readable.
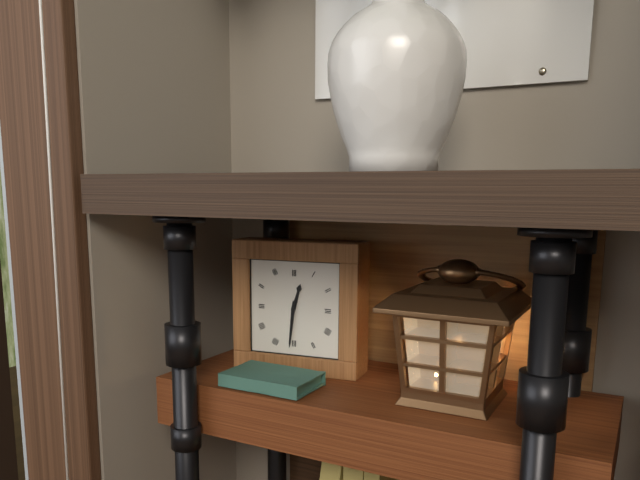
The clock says 12.31
